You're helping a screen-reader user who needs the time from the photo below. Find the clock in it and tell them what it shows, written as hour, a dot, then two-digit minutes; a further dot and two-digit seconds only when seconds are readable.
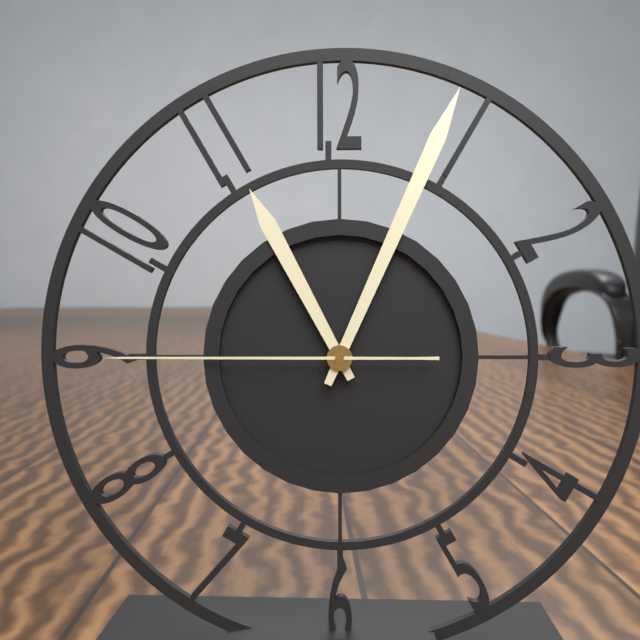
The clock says 11.04.45
